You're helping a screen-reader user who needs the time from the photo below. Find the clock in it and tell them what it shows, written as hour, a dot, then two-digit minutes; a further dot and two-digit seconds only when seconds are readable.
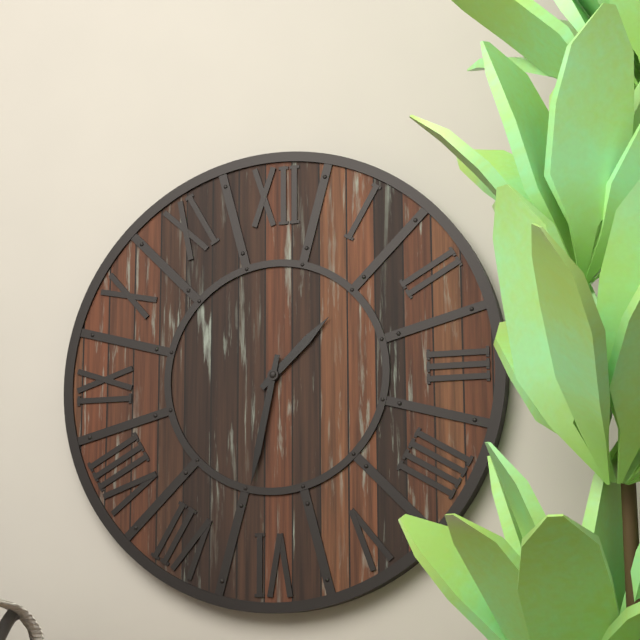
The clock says 1.32
